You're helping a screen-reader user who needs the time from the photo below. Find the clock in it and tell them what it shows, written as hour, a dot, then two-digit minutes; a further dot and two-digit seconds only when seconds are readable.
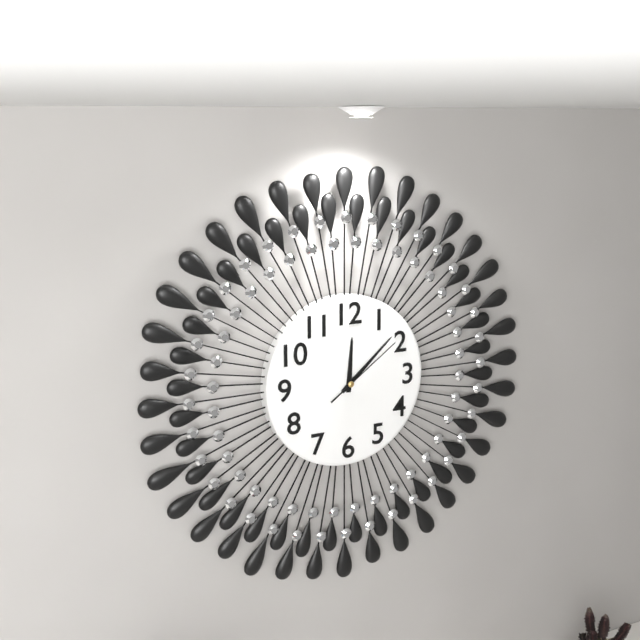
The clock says 12.08.09
